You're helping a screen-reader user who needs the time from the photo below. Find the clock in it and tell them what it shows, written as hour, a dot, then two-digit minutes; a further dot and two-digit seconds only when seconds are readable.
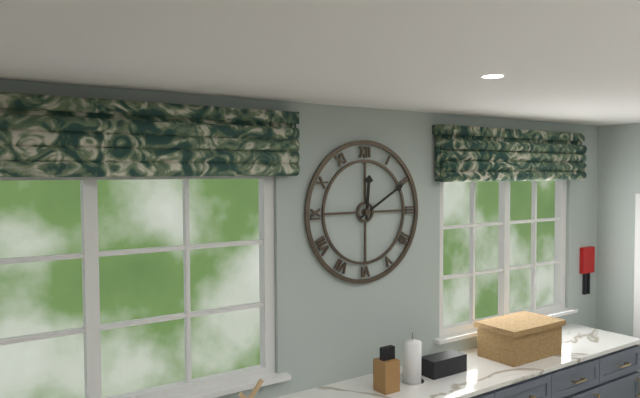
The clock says 12.10
